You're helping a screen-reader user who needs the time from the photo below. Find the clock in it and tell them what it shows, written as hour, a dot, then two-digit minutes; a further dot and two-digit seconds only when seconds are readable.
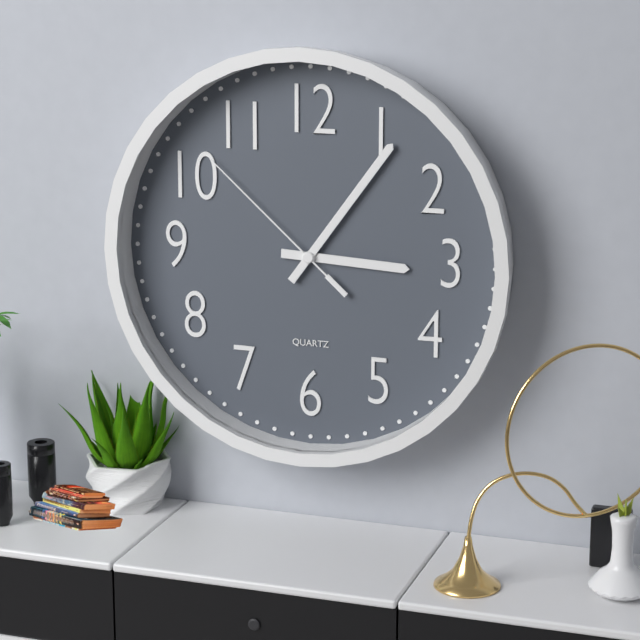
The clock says 3.06.52
